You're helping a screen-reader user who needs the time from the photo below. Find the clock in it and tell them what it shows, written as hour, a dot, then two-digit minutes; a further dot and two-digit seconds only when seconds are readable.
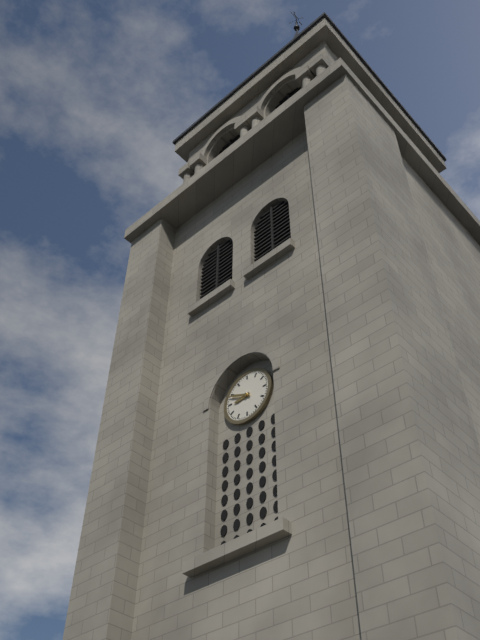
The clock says 8.49
